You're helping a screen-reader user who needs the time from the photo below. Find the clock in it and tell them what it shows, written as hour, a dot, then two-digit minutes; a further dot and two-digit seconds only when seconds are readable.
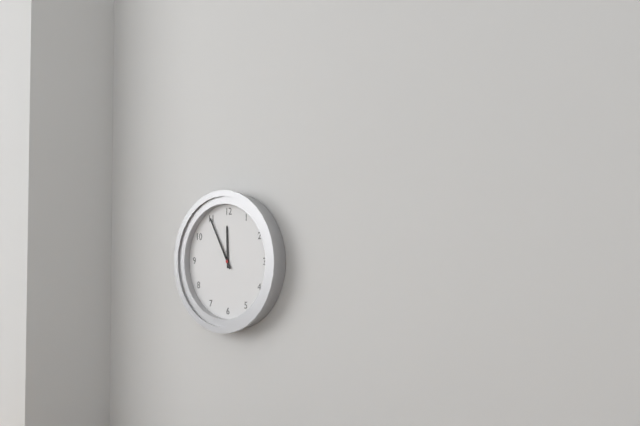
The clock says 11.55
